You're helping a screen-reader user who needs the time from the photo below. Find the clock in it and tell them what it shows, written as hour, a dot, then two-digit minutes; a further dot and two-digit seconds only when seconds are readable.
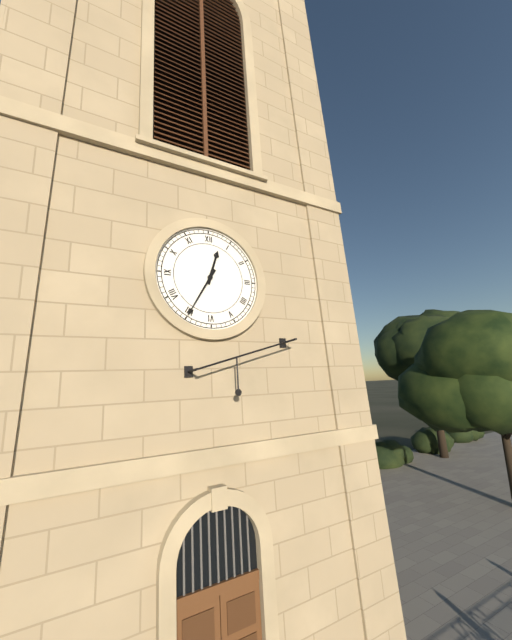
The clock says 12.35
